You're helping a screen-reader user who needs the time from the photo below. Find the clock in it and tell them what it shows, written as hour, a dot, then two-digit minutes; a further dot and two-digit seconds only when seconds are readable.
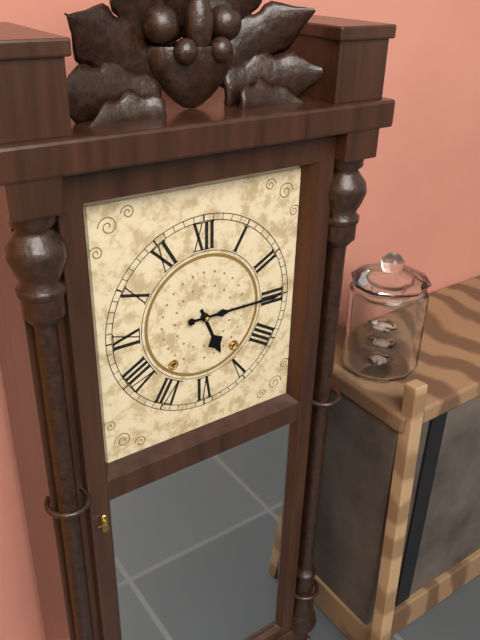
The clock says 5.15
